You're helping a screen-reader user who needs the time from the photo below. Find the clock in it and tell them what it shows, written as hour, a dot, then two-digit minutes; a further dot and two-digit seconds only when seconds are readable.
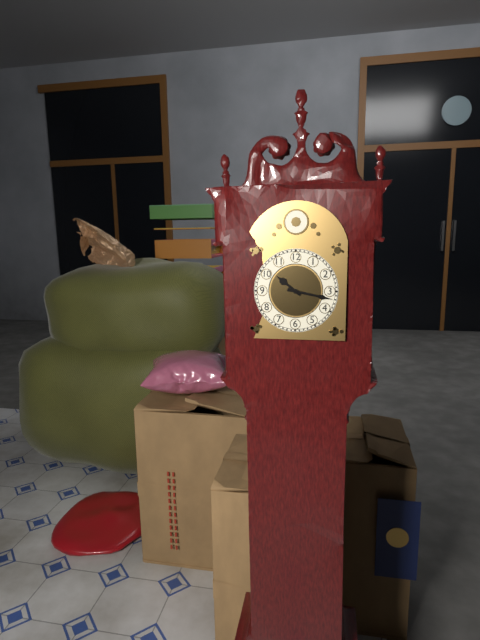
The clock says 10.17
